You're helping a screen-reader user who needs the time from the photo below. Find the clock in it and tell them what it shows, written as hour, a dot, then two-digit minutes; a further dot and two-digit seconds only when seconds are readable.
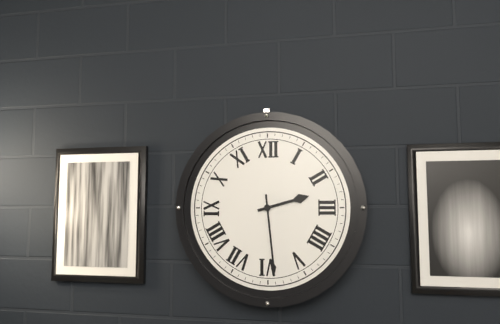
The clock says 2.29
